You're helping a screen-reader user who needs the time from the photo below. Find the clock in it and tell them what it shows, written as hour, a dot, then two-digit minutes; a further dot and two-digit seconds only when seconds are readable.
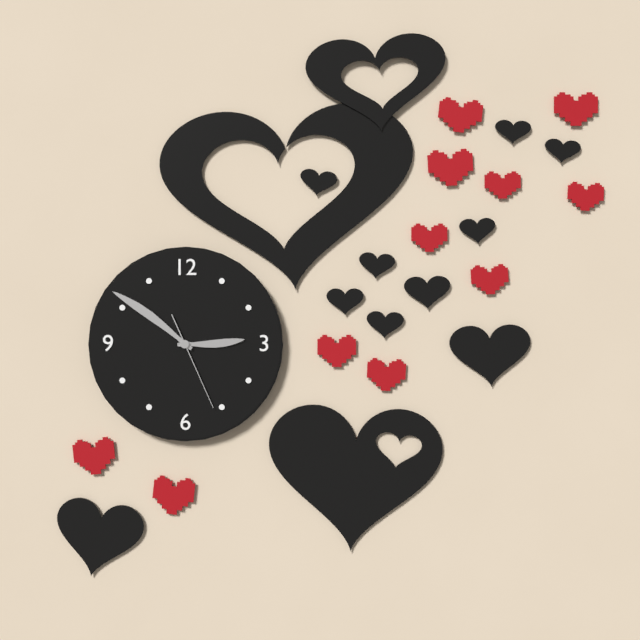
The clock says 2.51.26
